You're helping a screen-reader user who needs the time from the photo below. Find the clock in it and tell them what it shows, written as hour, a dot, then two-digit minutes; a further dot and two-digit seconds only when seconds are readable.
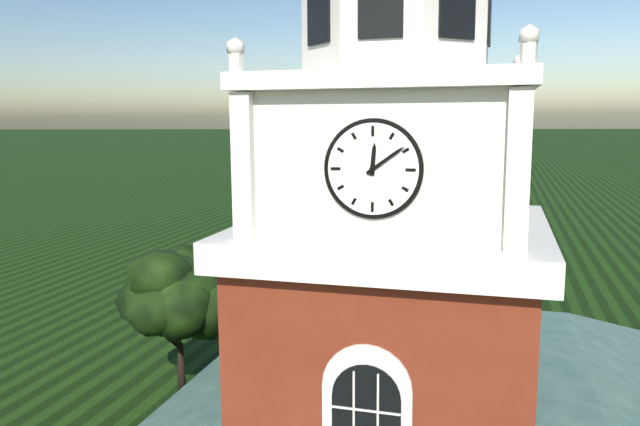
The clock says 12.09
